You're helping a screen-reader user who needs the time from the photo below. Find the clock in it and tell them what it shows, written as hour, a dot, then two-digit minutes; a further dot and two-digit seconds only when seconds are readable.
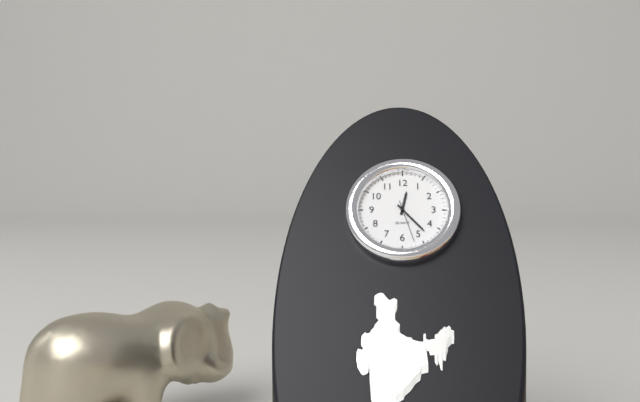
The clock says 12.23
